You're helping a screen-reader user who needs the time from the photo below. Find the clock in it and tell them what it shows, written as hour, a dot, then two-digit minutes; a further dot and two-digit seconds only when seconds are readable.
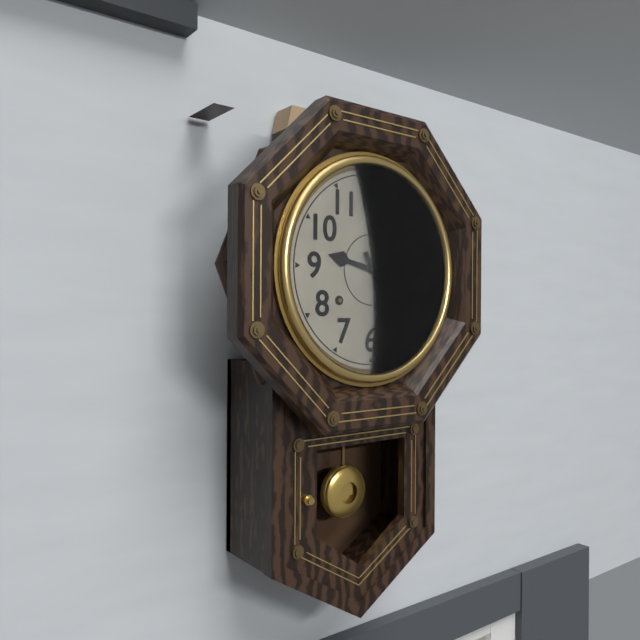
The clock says 9.25
